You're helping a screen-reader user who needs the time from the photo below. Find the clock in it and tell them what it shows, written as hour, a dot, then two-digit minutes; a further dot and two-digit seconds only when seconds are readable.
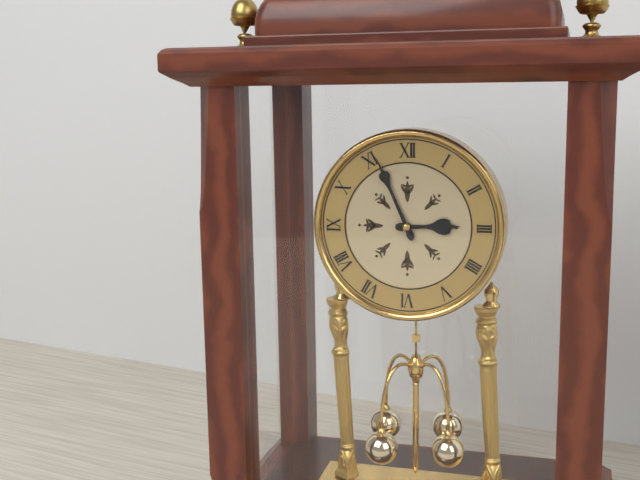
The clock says 2.56
